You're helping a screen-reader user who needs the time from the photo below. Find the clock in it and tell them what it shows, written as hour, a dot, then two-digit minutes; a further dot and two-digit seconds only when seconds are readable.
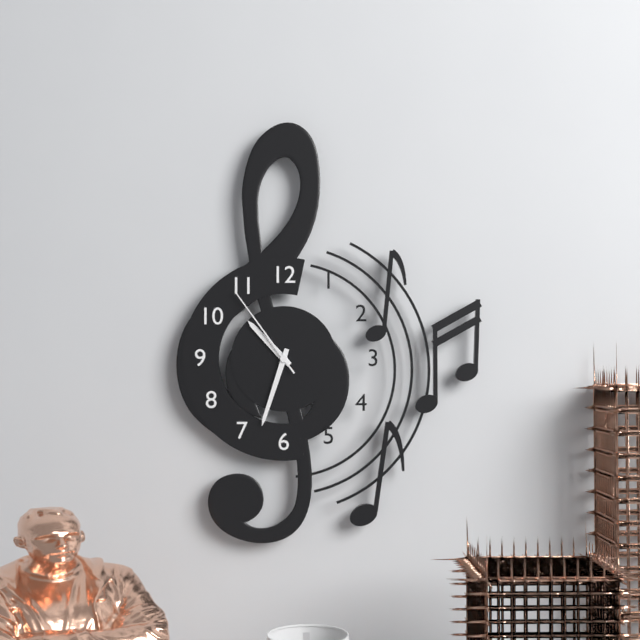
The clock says 10.33.54
